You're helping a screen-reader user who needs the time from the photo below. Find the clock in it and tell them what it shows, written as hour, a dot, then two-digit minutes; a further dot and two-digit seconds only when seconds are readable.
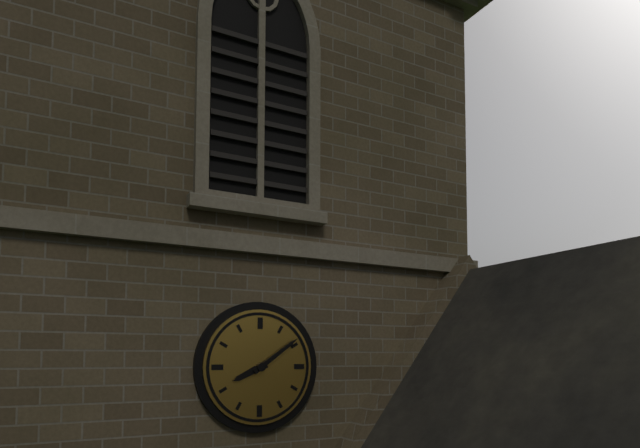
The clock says 8.09
